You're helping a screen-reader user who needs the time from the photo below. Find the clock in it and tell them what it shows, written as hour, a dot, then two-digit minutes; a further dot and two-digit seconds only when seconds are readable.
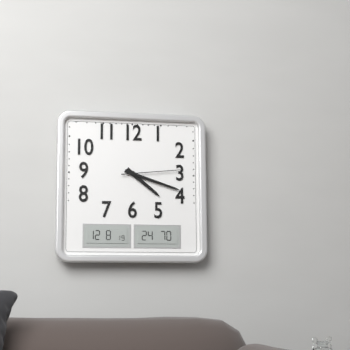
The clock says 4.18.14
